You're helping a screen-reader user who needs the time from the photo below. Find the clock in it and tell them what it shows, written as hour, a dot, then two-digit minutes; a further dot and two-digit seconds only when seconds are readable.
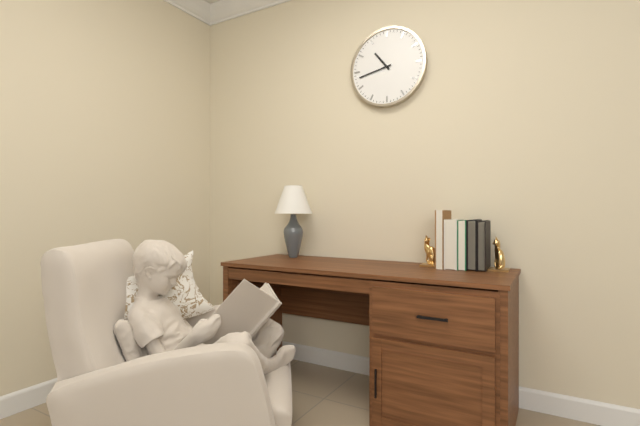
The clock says 10.43
